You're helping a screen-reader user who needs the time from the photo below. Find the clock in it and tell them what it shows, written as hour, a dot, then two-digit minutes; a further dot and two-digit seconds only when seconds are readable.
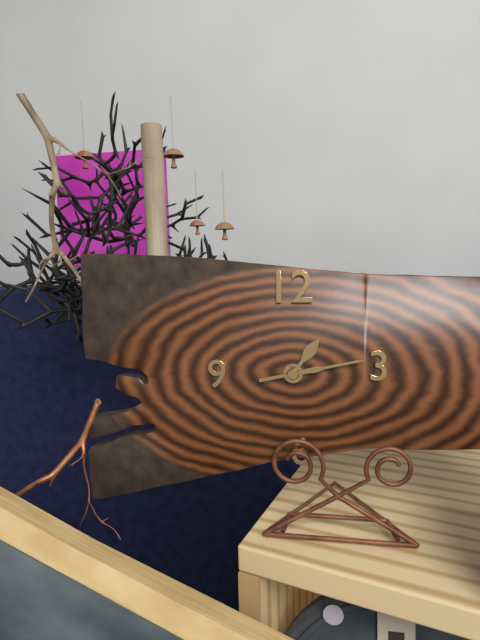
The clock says 1.13
